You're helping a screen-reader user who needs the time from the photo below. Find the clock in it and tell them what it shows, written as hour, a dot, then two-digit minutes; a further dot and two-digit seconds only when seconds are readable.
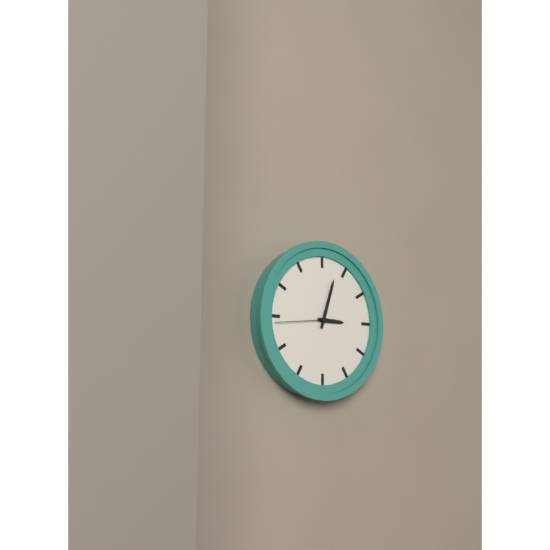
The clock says 3.03.44
